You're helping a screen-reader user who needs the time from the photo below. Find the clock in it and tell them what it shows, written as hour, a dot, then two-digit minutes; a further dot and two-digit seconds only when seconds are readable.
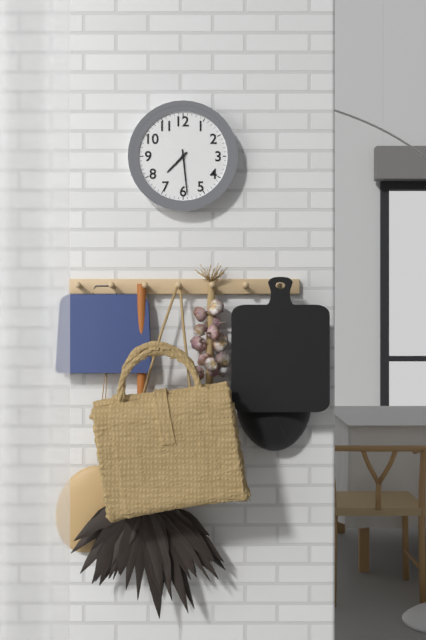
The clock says 7.29
